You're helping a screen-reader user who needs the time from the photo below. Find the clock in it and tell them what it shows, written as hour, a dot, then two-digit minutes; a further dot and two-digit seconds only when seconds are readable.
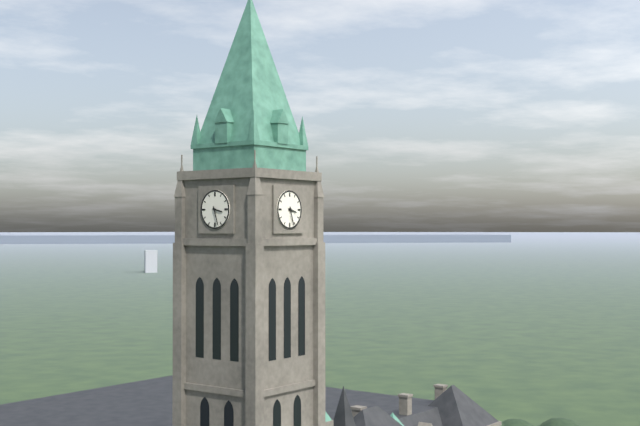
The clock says 3.27
